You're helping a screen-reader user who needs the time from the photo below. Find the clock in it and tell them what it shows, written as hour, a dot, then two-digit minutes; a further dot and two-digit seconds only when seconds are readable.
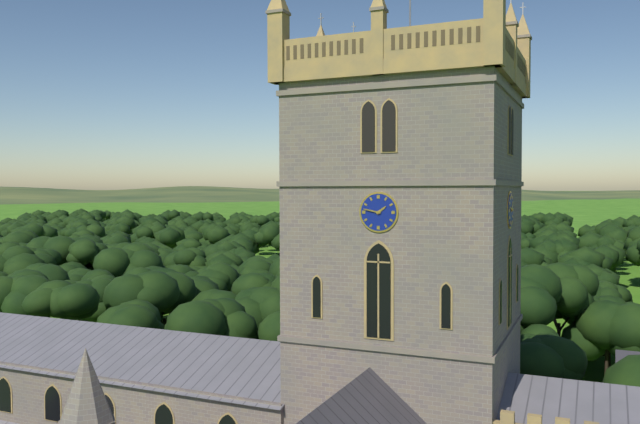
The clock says 1.47
